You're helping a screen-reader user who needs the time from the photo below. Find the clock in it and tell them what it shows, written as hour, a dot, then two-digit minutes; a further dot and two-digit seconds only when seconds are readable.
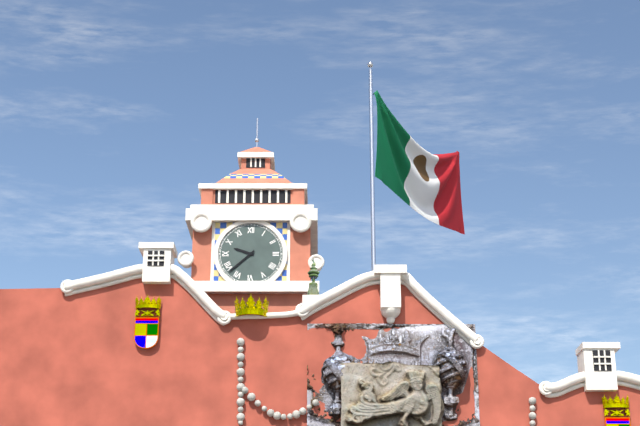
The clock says 9.38
